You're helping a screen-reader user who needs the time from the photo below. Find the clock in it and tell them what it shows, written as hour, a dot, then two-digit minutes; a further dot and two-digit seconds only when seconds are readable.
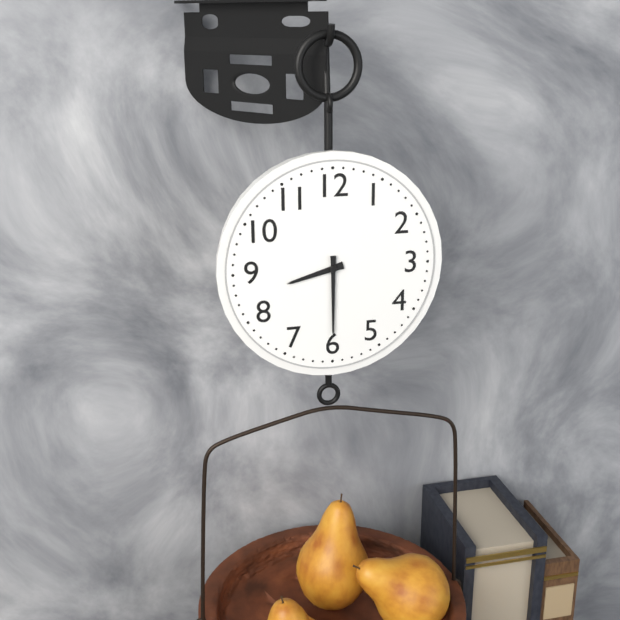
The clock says 8.30
